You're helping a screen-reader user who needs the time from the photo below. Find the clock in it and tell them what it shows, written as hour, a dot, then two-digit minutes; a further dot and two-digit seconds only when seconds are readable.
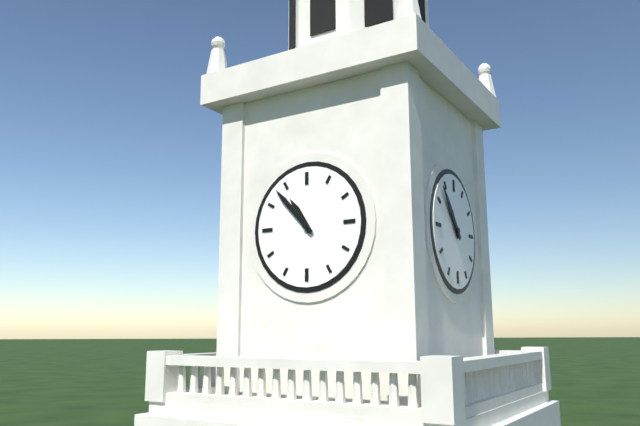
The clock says 10.53
